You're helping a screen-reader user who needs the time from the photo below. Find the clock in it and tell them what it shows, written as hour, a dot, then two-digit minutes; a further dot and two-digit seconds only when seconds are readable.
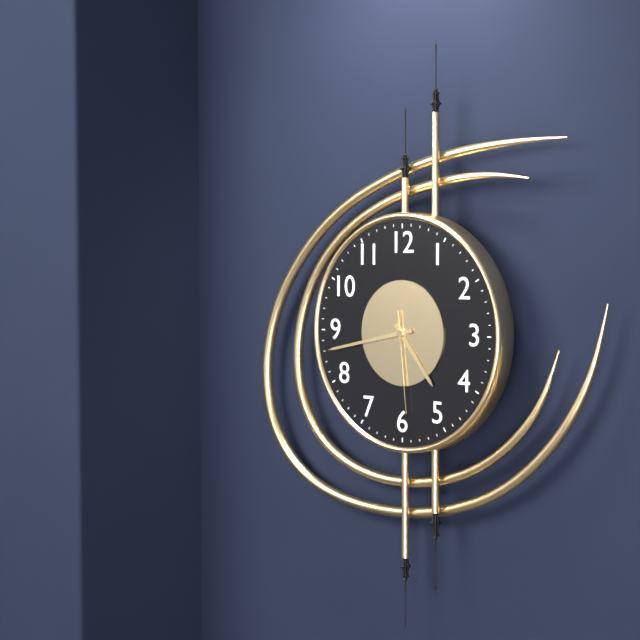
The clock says 4.43.29
